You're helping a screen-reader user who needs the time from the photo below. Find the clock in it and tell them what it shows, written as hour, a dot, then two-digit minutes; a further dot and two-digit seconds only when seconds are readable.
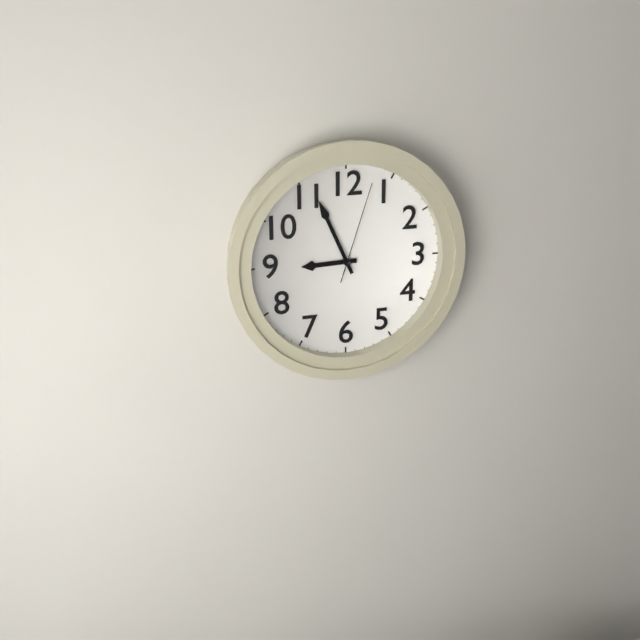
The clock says 8.56.03
